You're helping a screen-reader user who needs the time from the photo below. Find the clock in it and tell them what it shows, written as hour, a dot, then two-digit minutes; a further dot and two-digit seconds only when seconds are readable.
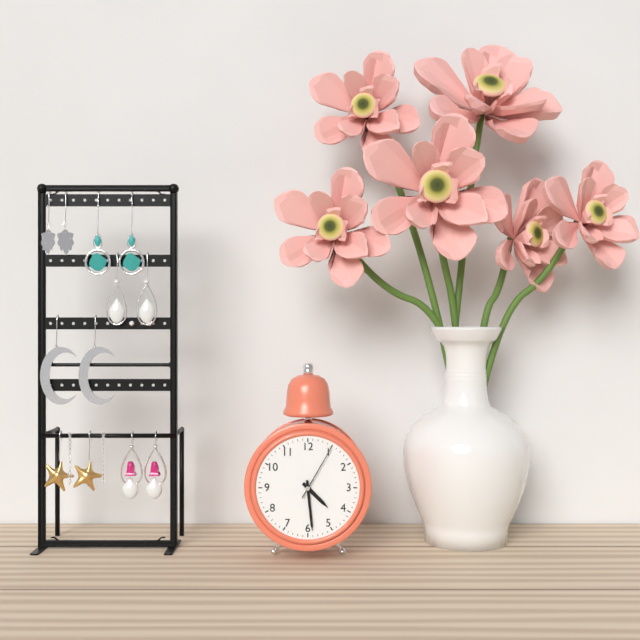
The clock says 4.29.05
